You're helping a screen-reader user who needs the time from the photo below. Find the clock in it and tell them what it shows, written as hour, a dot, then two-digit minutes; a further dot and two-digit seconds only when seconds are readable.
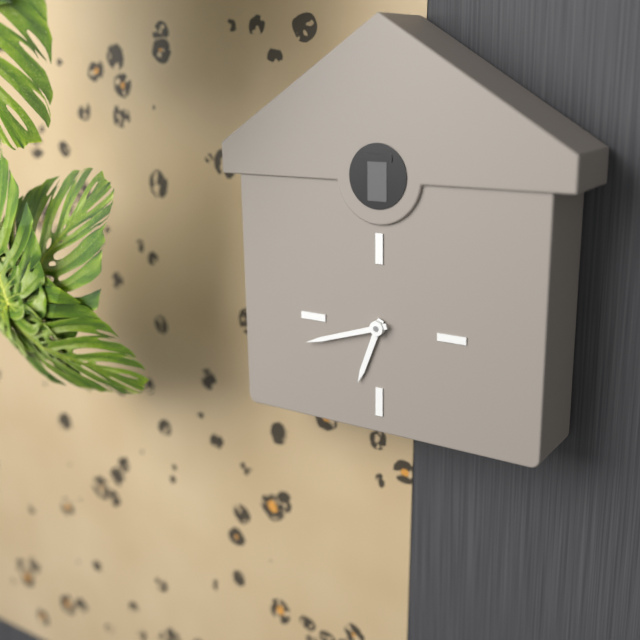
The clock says 6.42
